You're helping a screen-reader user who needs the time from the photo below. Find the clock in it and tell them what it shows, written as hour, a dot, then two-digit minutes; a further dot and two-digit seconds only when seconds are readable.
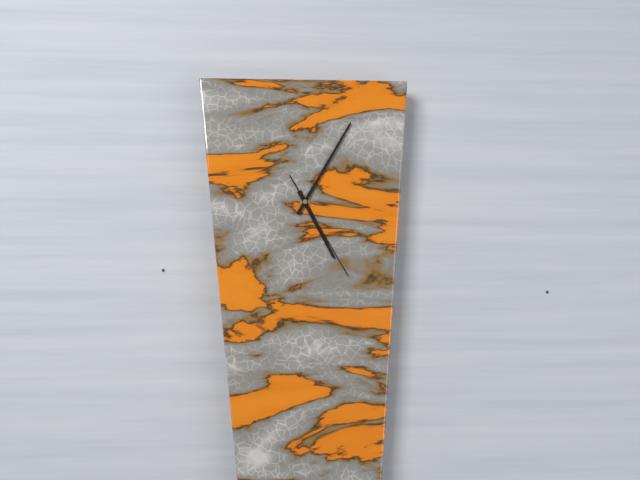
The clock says 5.05.25
